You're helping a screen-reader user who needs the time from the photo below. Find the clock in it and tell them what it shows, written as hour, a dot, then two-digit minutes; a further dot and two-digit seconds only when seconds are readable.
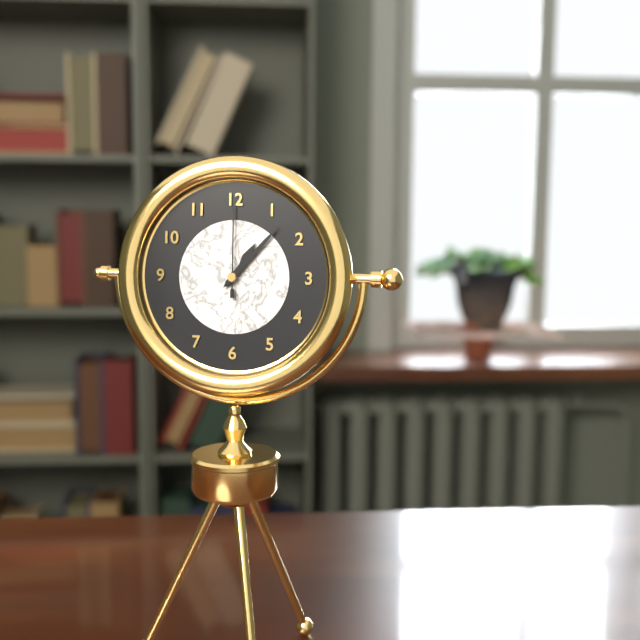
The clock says 1.07.00
